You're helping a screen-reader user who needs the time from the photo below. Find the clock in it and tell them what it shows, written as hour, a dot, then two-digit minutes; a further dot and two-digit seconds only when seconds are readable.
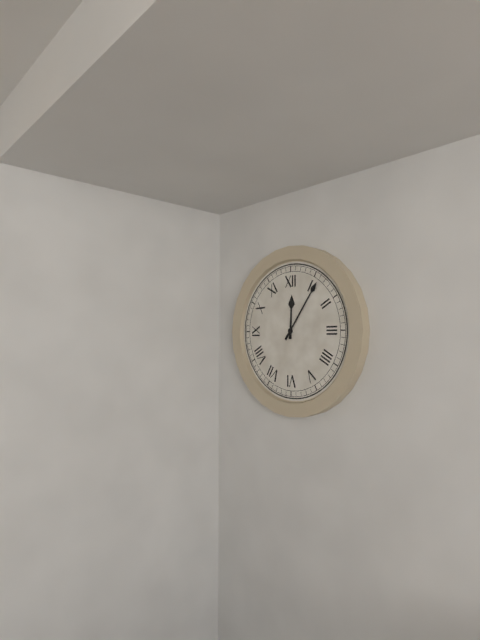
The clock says 12.06
